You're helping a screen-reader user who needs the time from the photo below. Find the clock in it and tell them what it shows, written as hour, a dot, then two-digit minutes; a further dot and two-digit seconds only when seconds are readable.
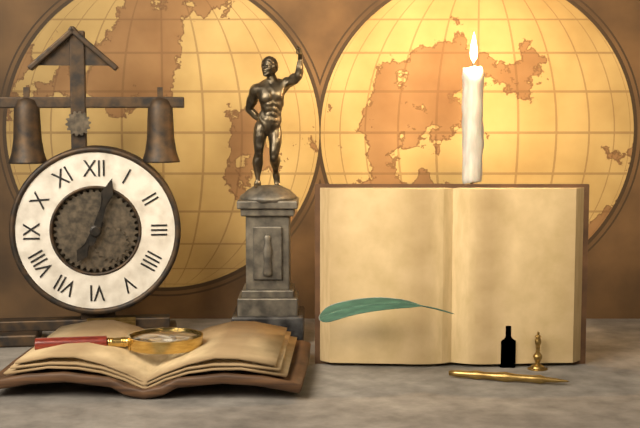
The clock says 7.03
